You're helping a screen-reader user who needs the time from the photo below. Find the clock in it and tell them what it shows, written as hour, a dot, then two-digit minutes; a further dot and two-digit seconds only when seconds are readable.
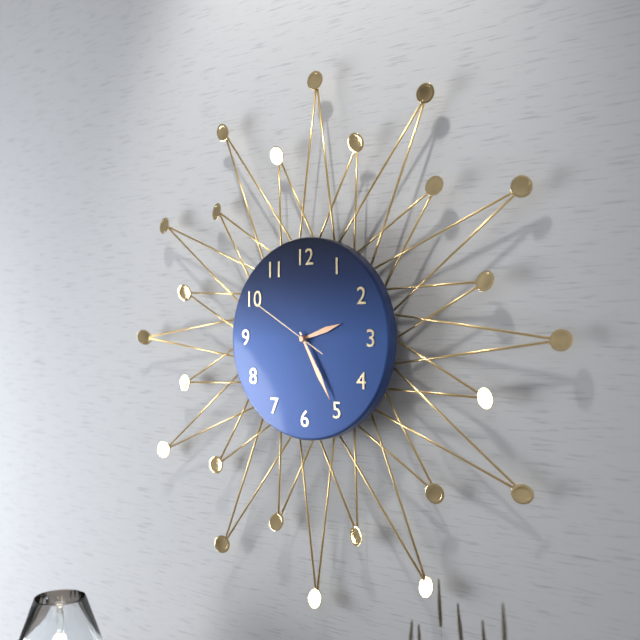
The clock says 2.25.50
